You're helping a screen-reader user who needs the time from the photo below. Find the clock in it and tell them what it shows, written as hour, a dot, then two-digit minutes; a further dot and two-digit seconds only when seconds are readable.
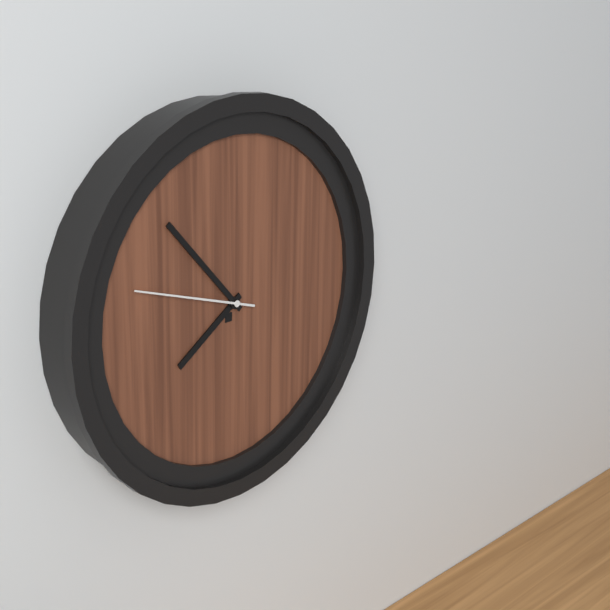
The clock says 7.53.48
